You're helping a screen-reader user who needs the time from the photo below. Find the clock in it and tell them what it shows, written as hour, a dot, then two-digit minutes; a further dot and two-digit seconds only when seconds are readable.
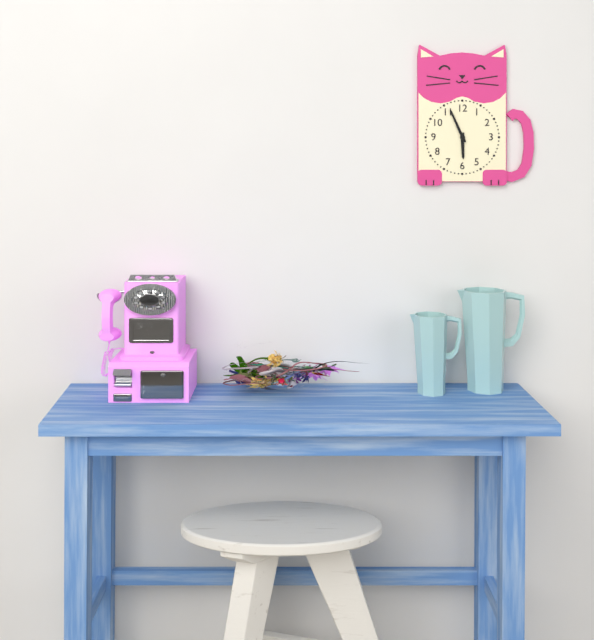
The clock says 5.56
